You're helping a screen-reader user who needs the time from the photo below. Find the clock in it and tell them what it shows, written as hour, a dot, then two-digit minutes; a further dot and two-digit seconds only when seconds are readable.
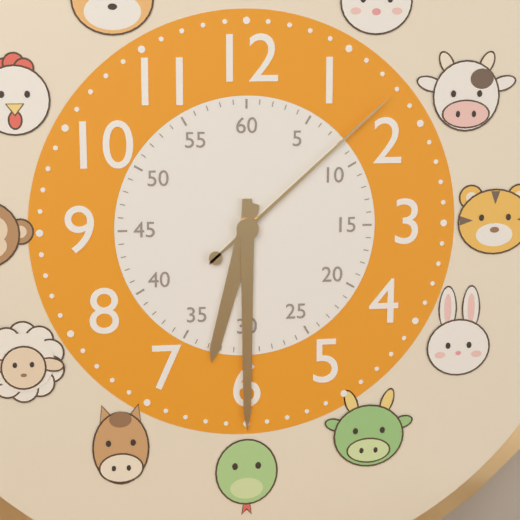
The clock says 6.30.08
